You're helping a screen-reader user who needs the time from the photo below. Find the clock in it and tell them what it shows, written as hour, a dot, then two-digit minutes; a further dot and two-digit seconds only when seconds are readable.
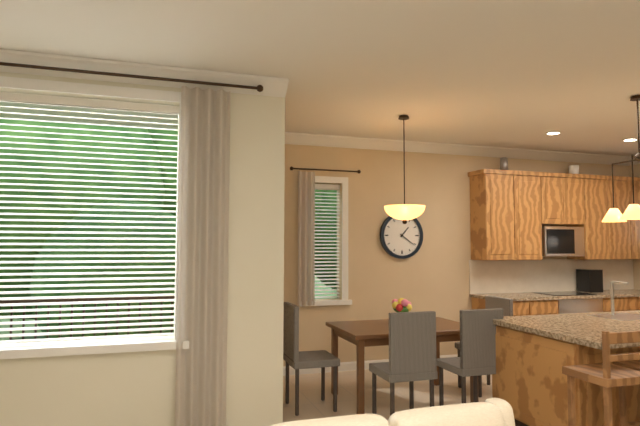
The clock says 1.21
